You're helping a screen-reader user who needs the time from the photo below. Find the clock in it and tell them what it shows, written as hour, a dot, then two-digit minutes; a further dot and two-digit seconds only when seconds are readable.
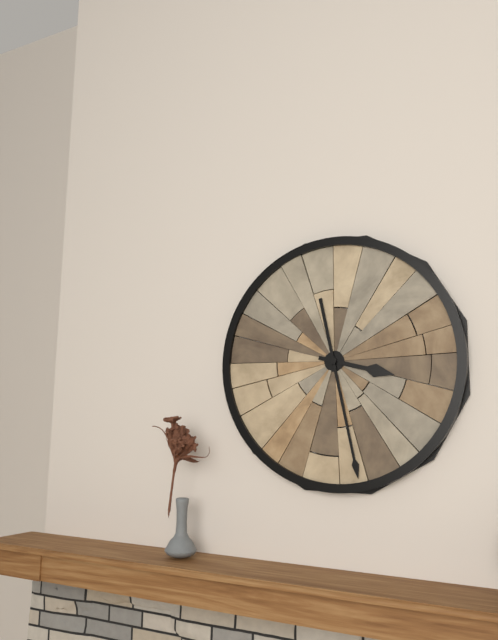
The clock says 3.28
